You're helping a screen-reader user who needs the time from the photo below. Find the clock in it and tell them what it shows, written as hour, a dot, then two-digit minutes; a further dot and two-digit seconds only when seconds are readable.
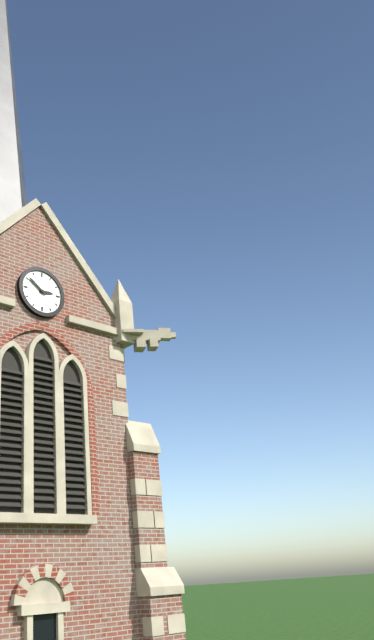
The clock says 2.51
